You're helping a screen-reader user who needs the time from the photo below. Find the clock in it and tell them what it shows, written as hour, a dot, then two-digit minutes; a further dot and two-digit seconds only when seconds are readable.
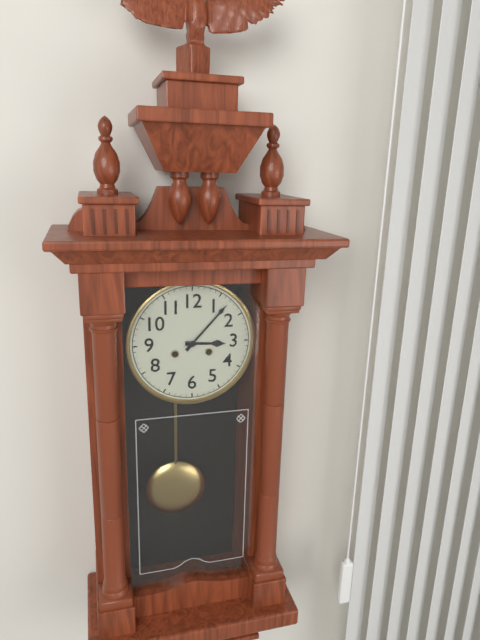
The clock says 3.07
